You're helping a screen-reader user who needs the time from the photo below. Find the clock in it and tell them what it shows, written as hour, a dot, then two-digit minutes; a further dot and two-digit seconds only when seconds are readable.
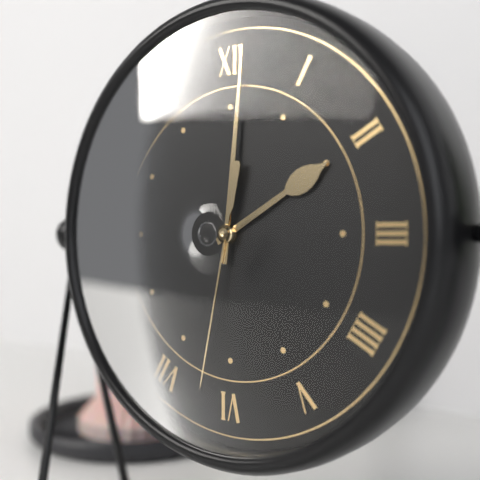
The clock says 2.01.32
